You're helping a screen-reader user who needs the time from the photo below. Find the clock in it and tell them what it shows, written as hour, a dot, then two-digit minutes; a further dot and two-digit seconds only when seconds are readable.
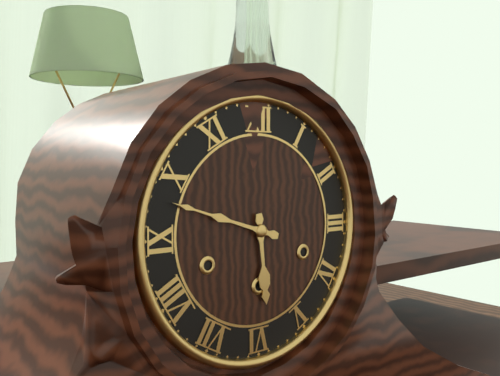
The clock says 5.48
